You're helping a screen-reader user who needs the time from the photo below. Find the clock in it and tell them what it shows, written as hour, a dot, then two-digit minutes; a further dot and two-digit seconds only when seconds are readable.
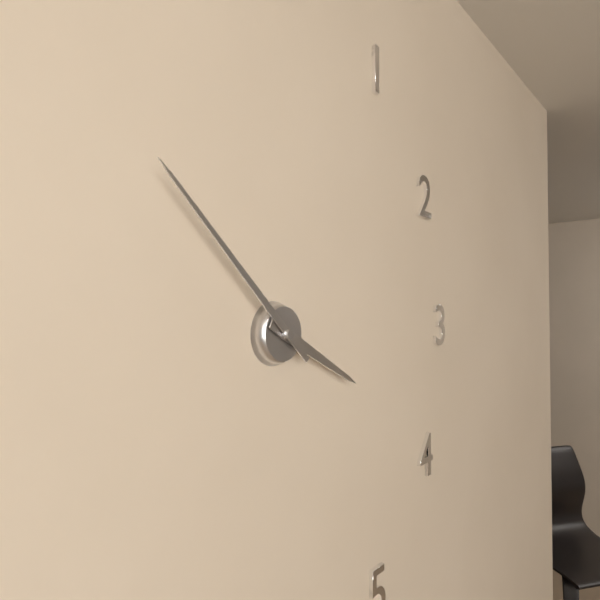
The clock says 3.52
